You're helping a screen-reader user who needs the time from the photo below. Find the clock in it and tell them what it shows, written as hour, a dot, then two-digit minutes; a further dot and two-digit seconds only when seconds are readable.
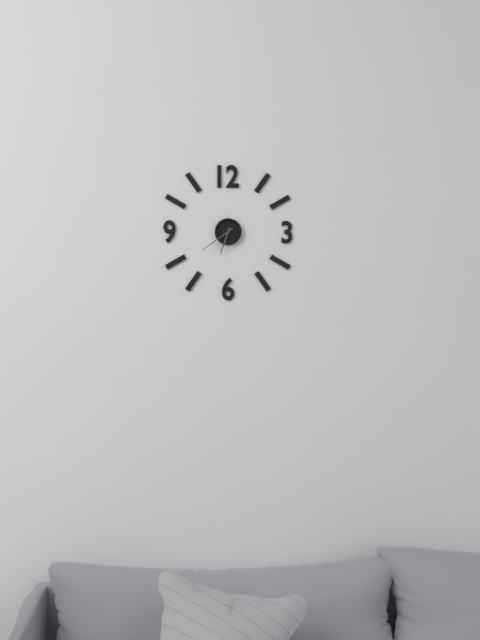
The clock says 6.39
